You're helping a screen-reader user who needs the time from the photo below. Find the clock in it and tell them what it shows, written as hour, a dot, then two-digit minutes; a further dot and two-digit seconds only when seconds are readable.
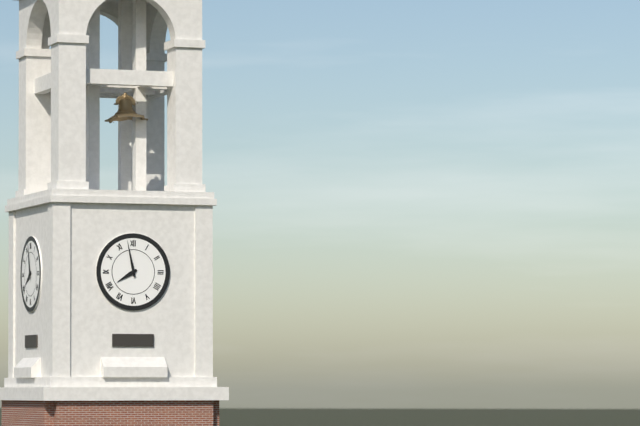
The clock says 7.58
